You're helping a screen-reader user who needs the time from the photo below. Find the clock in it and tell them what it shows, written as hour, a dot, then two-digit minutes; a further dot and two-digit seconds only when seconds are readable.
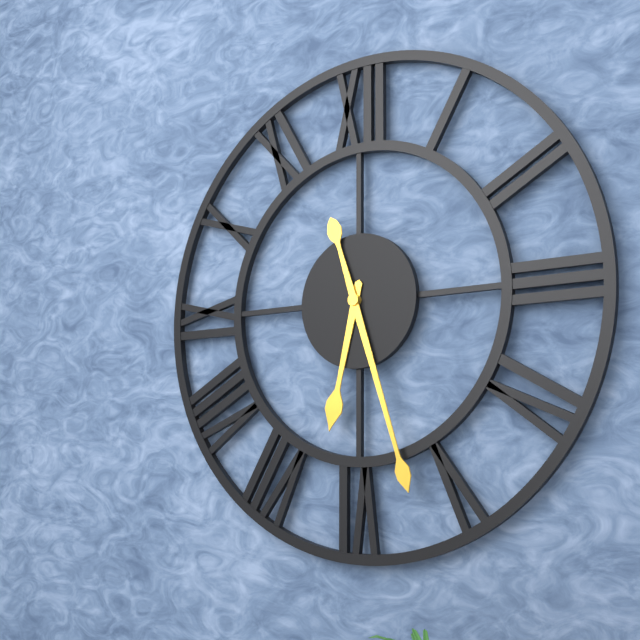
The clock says 6.27
